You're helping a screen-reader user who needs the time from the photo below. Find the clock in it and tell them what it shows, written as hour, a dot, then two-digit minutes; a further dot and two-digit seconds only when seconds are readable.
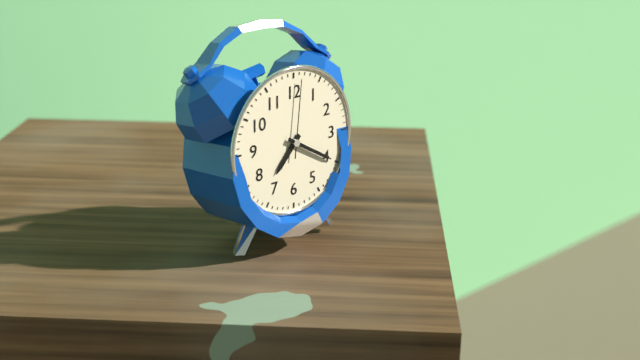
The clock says 7.20.01
